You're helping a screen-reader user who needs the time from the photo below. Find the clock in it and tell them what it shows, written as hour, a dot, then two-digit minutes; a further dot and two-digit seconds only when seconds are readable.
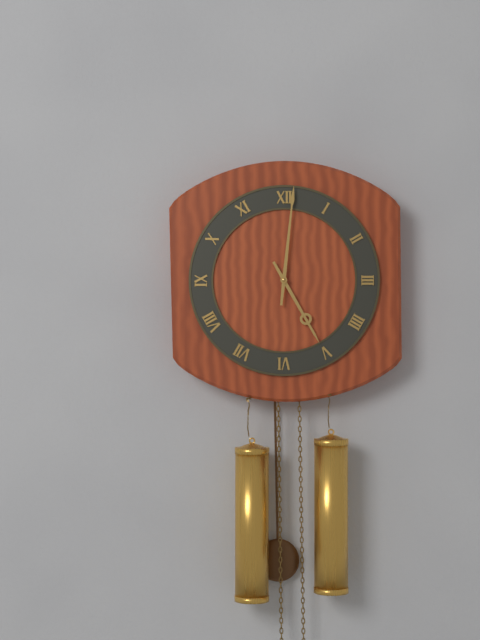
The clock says 5.01
